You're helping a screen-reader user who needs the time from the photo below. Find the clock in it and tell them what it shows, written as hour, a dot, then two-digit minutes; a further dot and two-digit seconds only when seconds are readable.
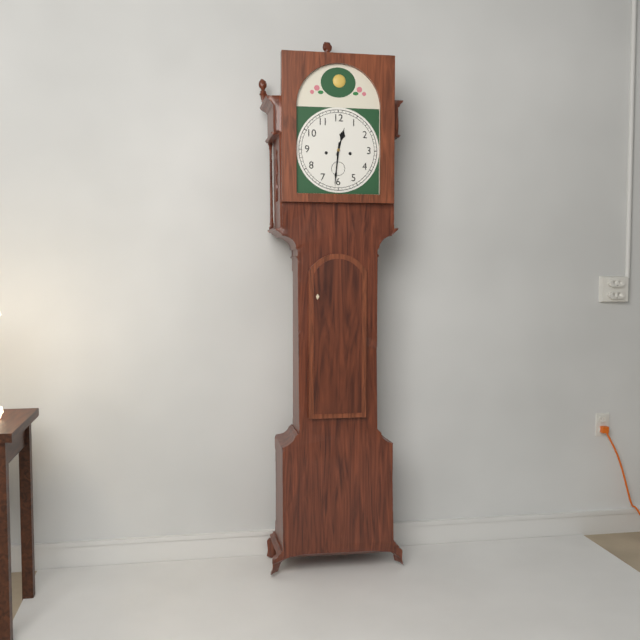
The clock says 12.31
